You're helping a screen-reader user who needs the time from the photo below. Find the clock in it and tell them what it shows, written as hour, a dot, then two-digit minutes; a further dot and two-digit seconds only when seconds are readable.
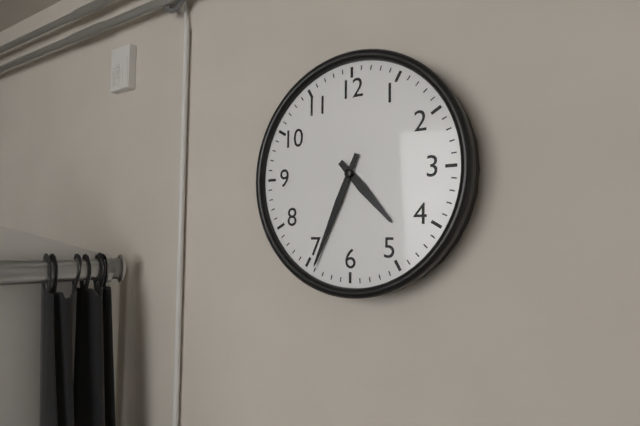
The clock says 4.34
